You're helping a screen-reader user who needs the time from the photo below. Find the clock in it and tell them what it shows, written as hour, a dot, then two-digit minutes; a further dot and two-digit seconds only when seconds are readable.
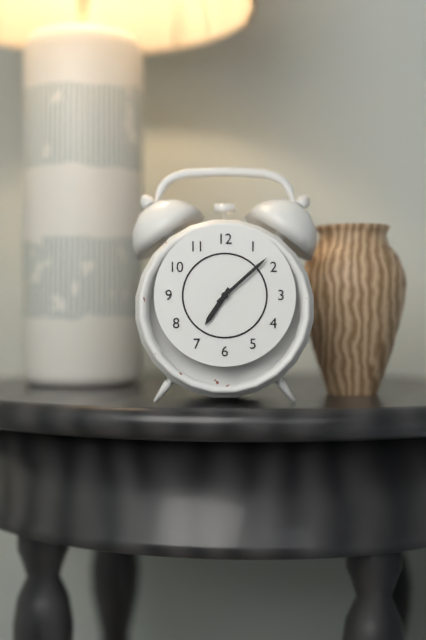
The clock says 7.08
